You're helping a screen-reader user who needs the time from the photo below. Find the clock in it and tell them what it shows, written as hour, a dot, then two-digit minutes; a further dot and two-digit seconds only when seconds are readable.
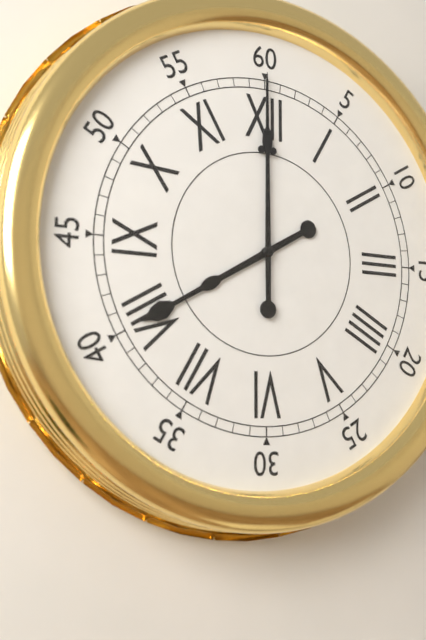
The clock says 8.00
